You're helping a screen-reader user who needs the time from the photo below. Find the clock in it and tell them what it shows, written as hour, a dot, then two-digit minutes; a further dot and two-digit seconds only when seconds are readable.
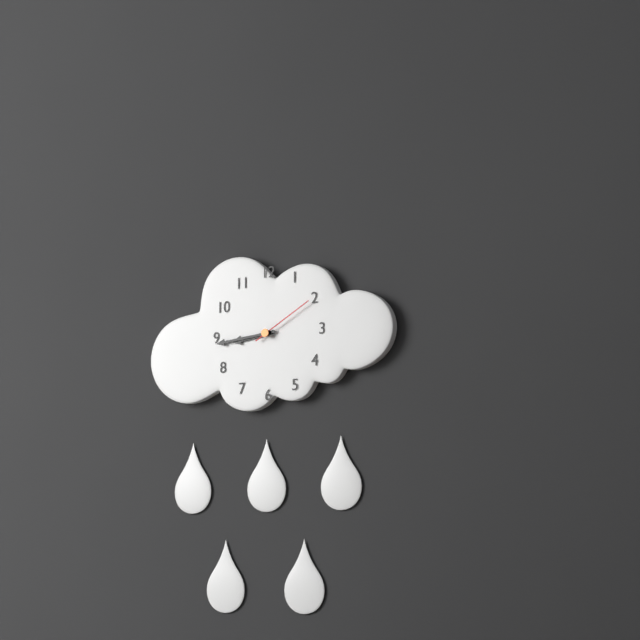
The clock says 8.44.10
